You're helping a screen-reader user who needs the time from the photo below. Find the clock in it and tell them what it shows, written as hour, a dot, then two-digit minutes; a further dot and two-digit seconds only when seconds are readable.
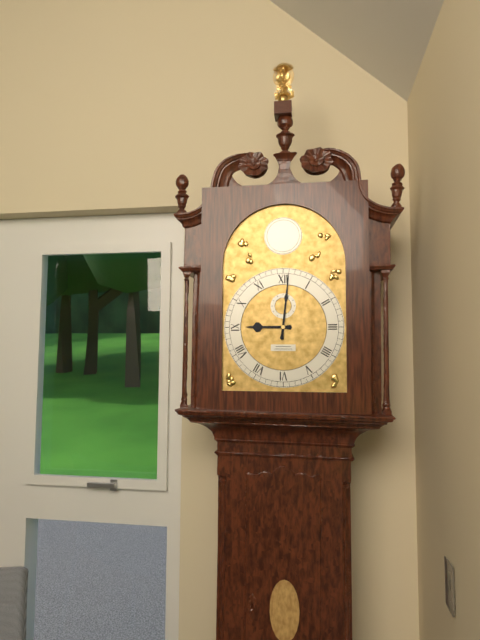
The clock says 9.01
